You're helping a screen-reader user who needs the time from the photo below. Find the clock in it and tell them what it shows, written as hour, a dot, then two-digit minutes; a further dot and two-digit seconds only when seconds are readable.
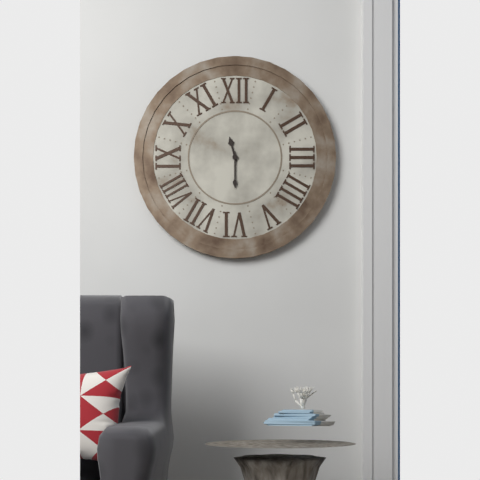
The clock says 11.30
